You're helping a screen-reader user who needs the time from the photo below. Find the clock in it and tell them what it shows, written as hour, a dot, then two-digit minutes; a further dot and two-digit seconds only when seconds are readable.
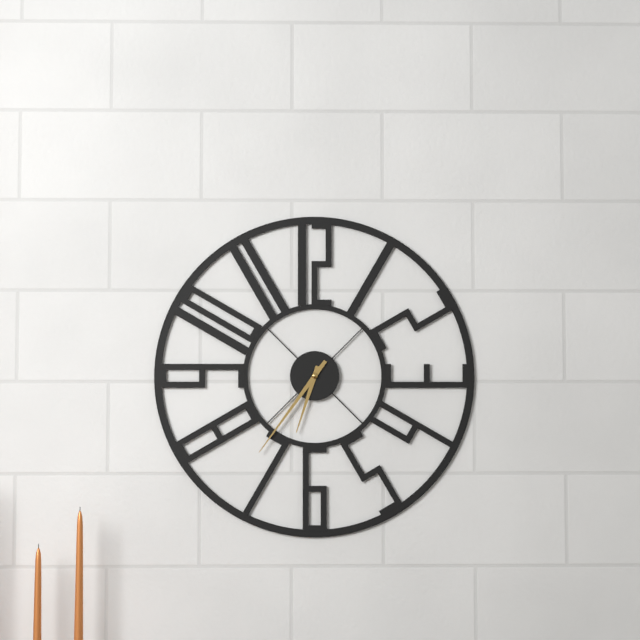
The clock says 6.36
